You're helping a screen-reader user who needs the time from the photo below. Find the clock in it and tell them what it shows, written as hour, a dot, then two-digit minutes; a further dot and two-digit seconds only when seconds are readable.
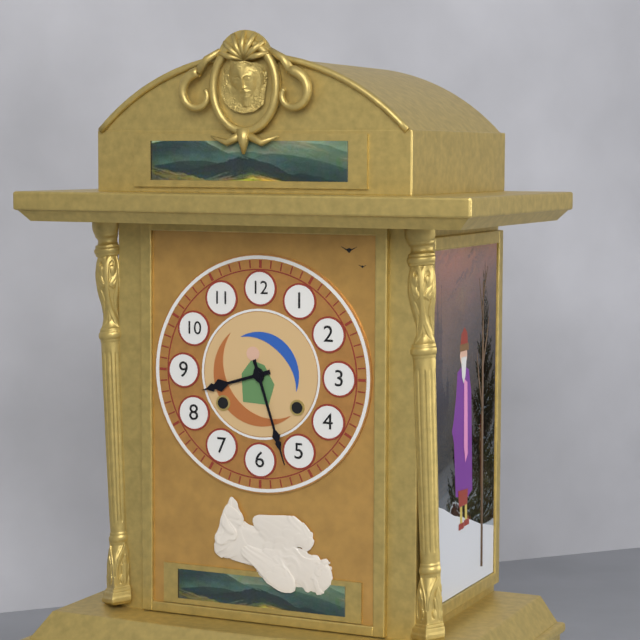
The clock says 8.27
